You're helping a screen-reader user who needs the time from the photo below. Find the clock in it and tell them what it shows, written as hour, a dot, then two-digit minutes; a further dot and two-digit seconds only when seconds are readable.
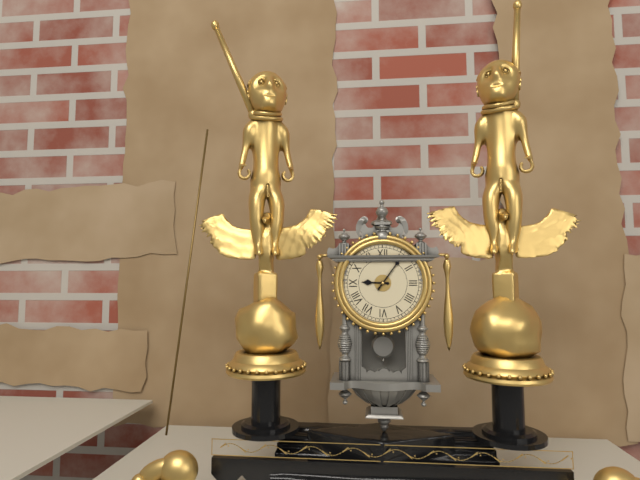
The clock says 9.06
